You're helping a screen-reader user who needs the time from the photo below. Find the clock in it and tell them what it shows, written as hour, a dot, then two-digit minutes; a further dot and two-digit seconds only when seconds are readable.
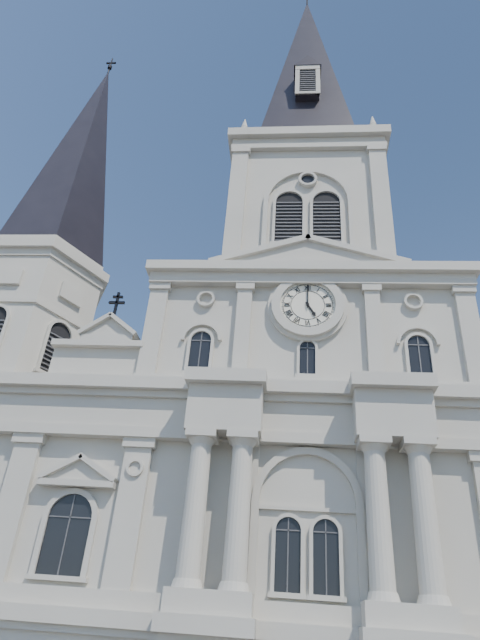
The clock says 5.00
